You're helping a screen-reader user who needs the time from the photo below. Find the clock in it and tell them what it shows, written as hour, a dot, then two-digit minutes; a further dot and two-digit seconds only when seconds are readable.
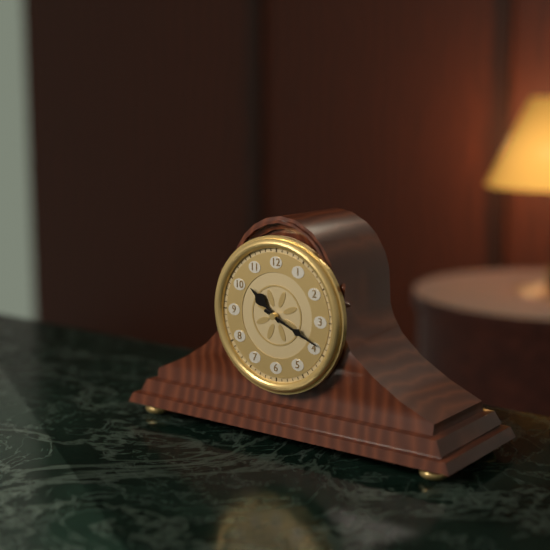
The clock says 10.19
